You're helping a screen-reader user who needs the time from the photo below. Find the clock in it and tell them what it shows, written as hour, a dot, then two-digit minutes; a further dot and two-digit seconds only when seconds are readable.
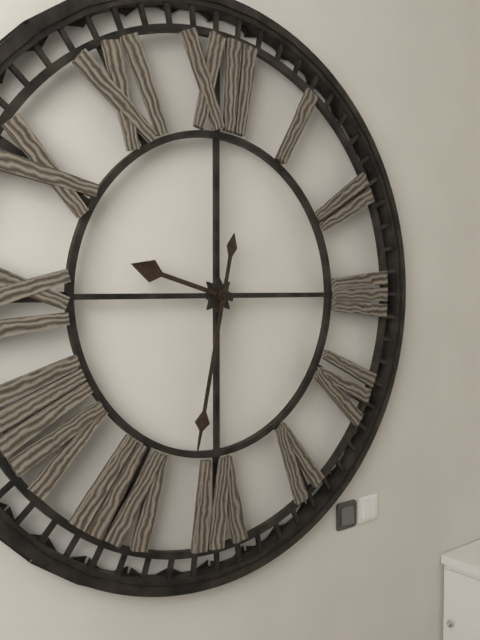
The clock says 9.32
